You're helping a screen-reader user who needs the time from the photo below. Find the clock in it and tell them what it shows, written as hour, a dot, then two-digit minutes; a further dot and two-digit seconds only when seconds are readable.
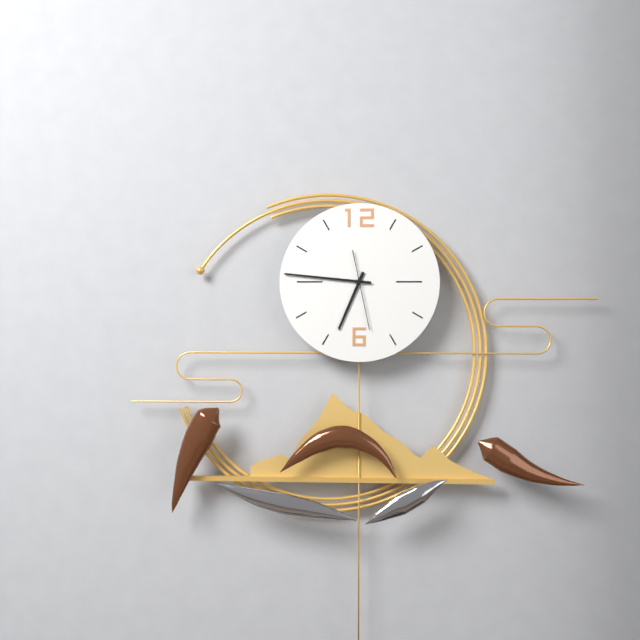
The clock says 6.46.28
